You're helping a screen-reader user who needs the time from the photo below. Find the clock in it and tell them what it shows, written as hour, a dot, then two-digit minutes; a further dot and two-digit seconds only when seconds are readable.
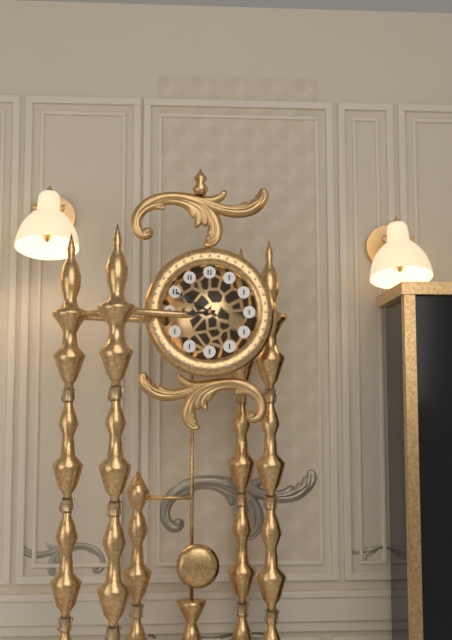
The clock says 8.50
